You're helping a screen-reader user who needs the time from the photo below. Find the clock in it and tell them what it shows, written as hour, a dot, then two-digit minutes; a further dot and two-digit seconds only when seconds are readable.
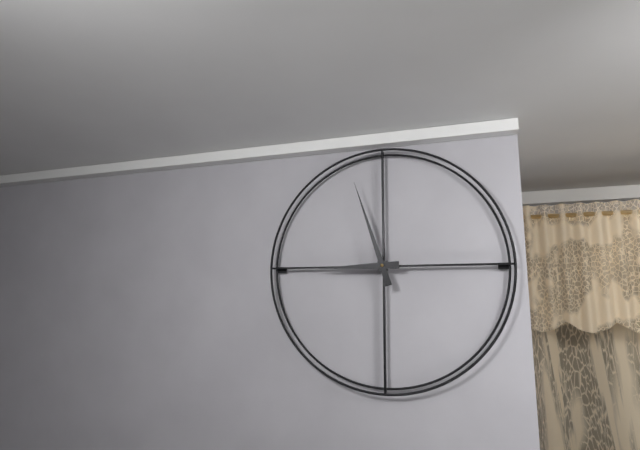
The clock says 8.57
